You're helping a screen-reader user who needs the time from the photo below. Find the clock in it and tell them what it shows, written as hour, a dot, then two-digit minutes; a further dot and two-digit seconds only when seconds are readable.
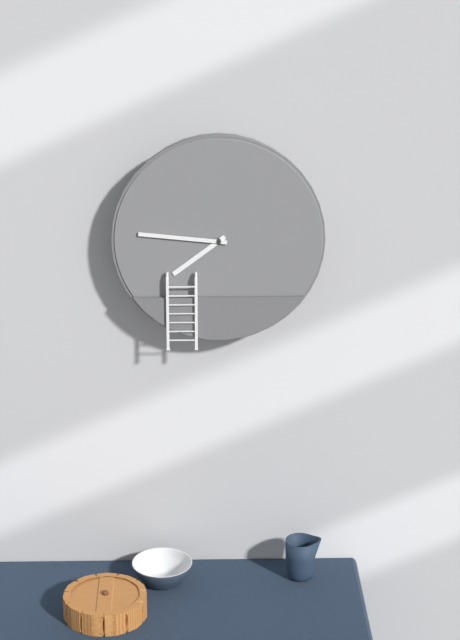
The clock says 7.46
